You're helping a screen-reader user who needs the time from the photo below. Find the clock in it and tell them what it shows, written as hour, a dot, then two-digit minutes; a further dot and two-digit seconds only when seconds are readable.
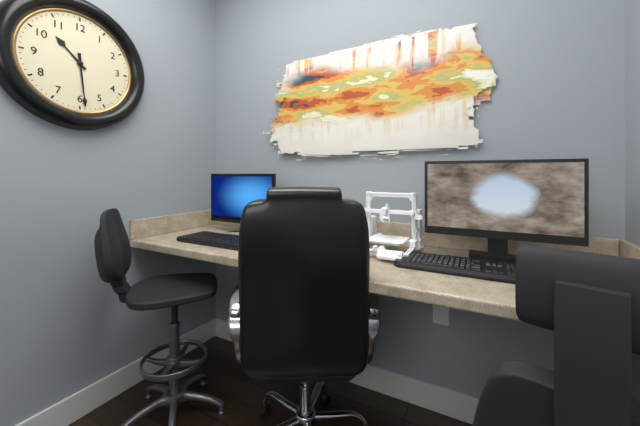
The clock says 10.29
